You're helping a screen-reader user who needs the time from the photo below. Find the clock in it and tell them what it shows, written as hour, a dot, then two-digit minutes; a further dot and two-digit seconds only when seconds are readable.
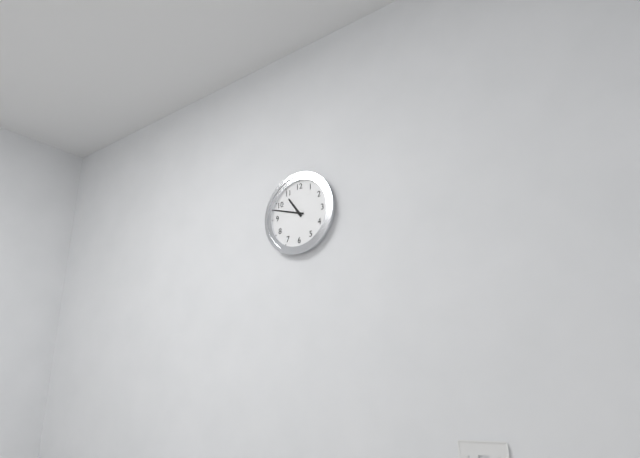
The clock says 10.48
